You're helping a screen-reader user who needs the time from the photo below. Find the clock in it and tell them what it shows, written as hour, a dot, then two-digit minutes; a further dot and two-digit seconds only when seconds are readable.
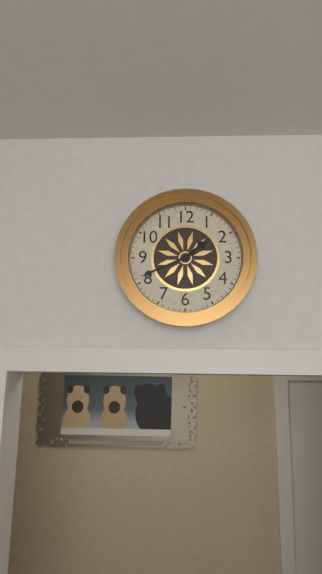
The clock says 1.41
